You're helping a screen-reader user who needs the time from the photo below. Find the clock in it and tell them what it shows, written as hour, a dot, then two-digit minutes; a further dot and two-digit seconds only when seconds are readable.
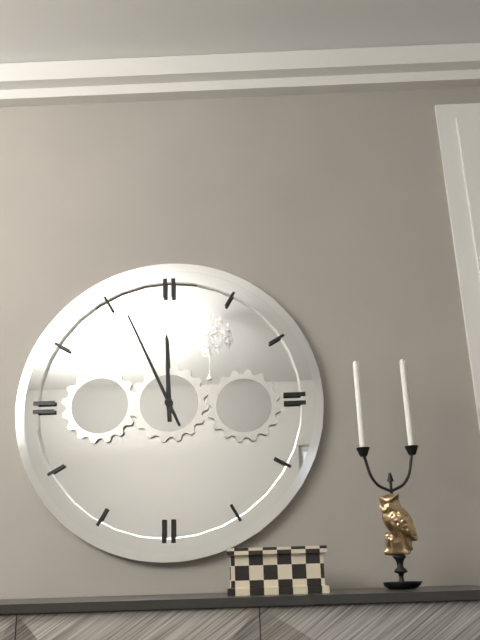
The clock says 11.56
